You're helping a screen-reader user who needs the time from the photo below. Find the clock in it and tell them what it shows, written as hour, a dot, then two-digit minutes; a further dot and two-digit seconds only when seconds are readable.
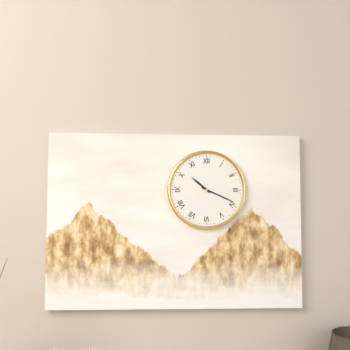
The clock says 10.19
